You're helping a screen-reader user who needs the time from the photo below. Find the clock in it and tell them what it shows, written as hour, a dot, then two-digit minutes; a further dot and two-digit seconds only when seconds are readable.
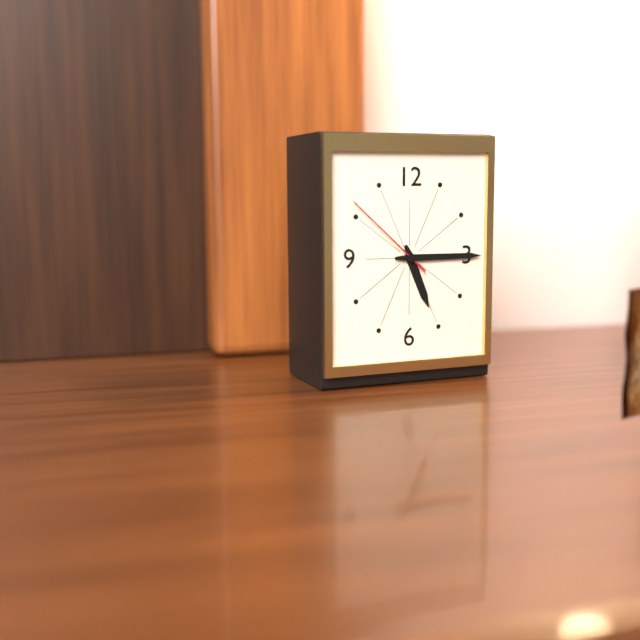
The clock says 5.15.52
